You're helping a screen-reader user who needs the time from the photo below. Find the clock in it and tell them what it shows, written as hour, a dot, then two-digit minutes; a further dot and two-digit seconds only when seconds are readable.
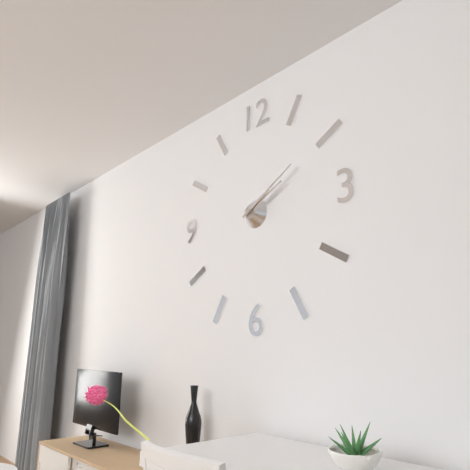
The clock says 2.10
